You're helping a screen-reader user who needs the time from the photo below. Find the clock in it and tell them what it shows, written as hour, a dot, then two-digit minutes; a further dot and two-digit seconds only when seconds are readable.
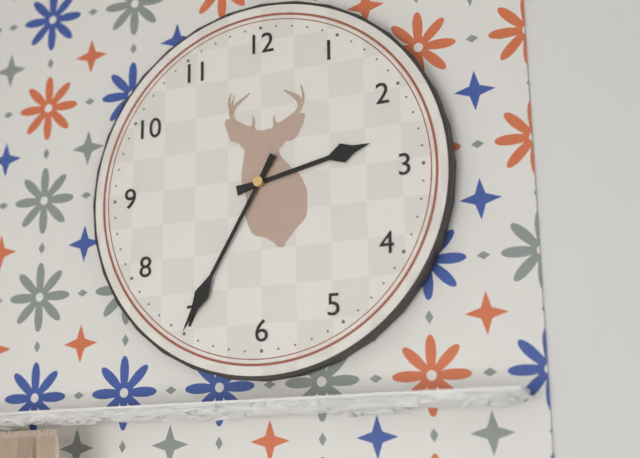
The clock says 2.35
